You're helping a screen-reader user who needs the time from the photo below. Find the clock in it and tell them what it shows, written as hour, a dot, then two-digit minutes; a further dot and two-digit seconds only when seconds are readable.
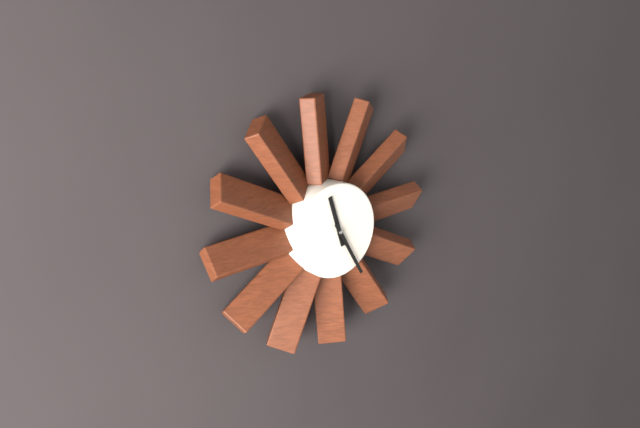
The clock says 11.25
